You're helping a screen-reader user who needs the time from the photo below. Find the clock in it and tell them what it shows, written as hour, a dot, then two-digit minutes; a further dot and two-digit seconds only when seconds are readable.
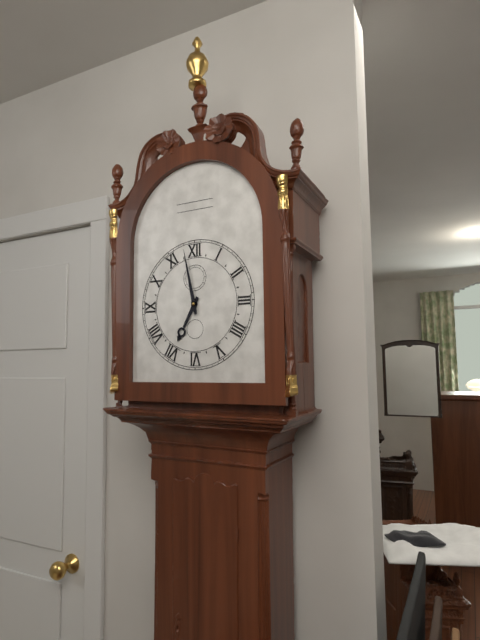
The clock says 6.58
